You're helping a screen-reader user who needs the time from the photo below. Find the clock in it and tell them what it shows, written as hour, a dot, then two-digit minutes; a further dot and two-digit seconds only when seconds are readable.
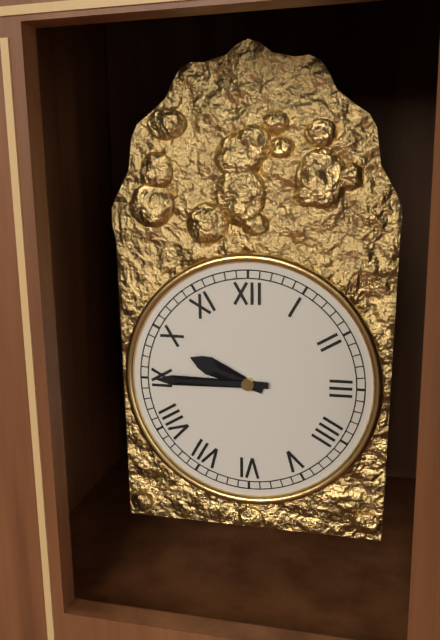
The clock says 9.45
